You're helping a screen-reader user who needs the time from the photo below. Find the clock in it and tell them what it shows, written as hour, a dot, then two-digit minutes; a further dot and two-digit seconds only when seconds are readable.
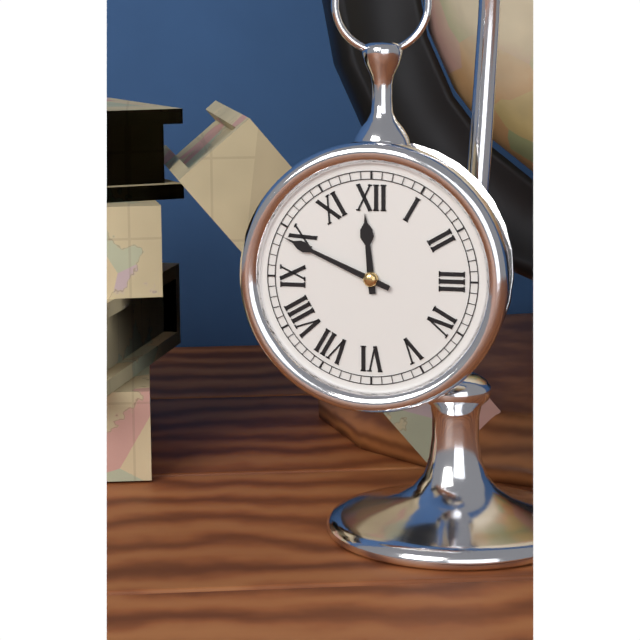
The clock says 11.49
